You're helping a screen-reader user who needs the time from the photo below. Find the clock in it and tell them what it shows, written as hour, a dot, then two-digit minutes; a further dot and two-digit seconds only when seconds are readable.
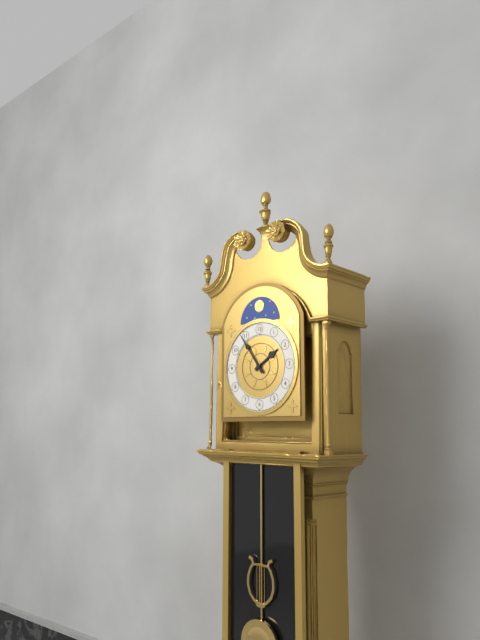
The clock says 1.54
